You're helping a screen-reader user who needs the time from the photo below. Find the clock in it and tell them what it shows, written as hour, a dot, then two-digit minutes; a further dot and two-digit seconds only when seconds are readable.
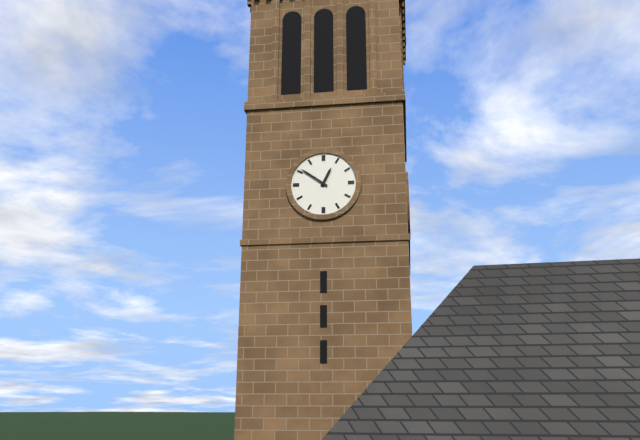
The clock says 12.51
